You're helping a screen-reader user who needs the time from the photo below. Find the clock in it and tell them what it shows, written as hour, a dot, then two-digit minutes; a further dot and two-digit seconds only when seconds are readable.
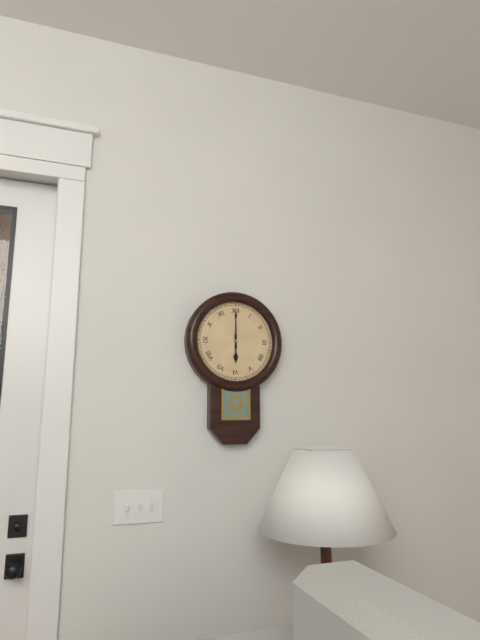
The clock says 6.00
